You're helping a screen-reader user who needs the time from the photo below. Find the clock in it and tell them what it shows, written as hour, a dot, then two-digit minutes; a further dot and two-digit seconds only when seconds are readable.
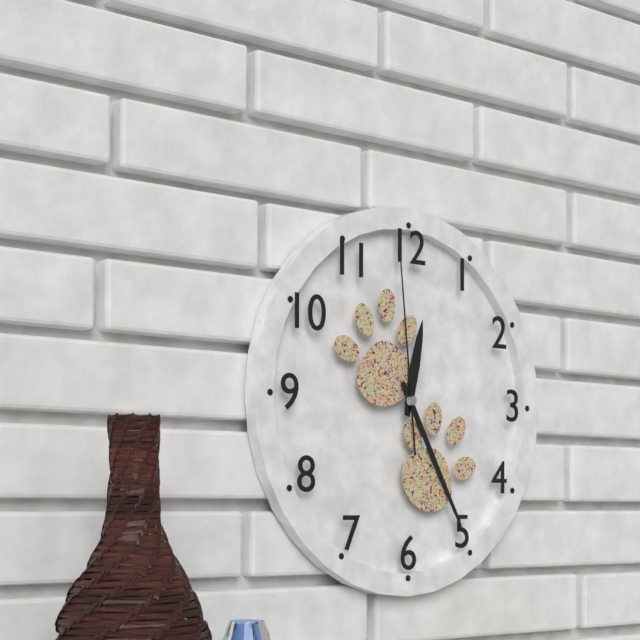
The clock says 12.25.59
